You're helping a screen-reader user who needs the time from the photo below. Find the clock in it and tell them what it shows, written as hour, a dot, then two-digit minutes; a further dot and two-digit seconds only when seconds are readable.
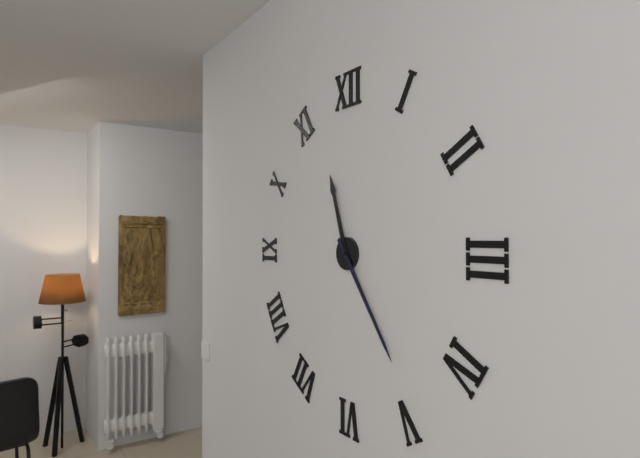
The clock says 11.24
